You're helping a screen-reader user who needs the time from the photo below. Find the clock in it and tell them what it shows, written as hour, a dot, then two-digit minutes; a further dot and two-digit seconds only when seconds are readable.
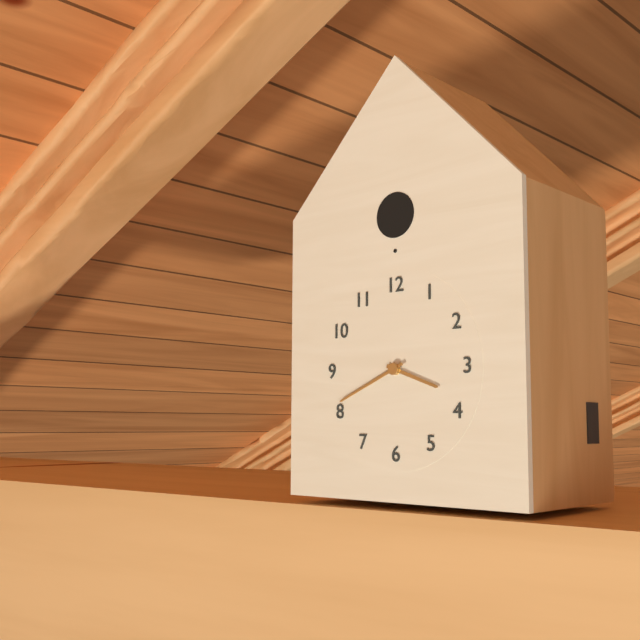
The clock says 3.41
